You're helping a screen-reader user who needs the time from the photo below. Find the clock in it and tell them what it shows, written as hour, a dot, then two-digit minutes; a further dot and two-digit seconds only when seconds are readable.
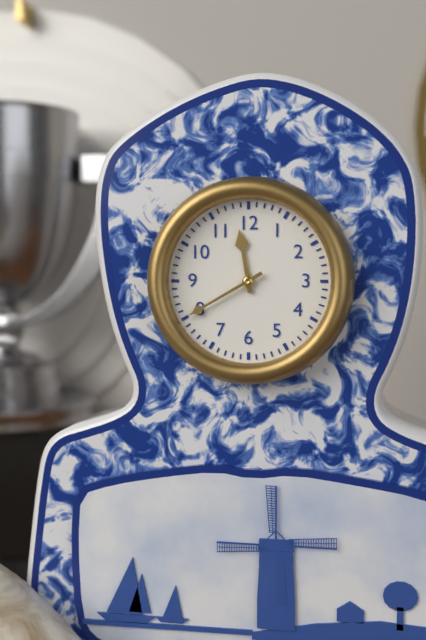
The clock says 11.40
